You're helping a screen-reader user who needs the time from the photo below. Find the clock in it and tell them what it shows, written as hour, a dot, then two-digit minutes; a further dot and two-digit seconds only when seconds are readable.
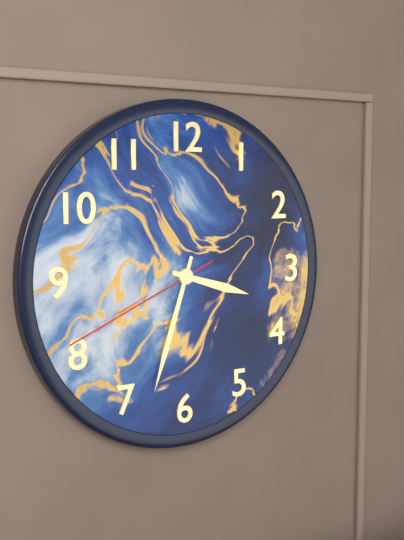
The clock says 3.33.41
